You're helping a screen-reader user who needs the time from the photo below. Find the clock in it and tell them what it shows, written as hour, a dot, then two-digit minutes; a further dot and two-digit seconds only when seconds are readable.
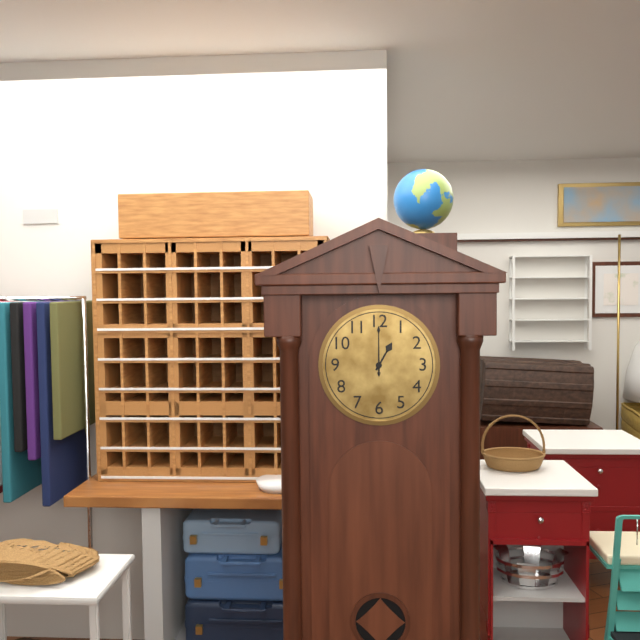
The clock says 1.00
